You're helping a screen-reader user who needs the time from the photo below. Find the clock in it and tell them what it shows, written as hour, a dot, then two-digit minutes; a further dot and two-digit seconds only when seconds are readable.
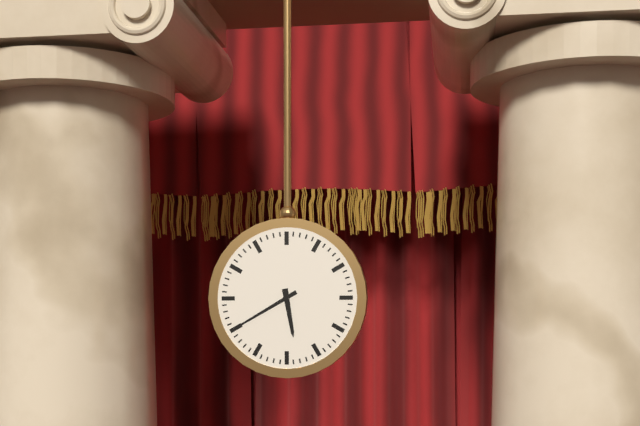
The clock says 5.40
